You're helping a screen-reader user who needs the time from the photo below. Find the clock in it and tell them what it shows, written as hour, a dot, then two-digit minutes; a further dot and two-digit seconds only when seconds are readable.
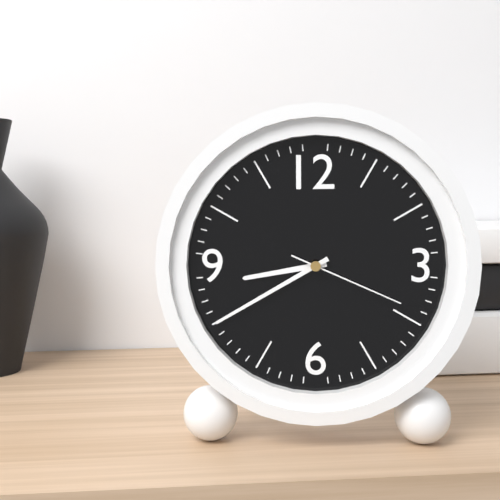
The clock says 8.40.19
